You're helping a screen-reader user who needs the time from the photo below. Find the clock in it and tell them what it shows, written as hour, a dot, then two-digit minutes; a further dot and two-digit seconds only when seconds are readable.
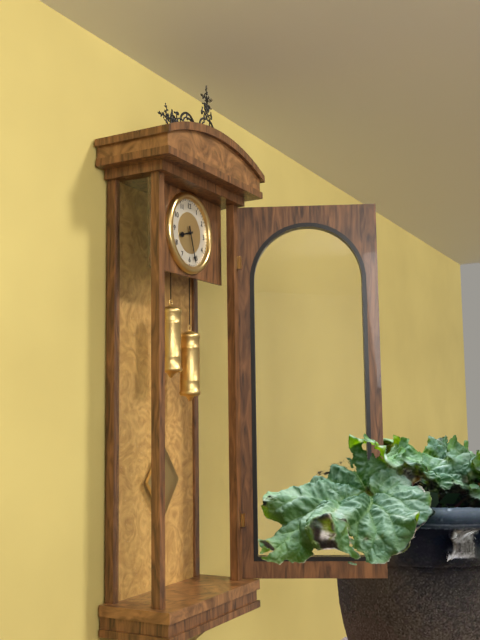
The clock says 8.27
